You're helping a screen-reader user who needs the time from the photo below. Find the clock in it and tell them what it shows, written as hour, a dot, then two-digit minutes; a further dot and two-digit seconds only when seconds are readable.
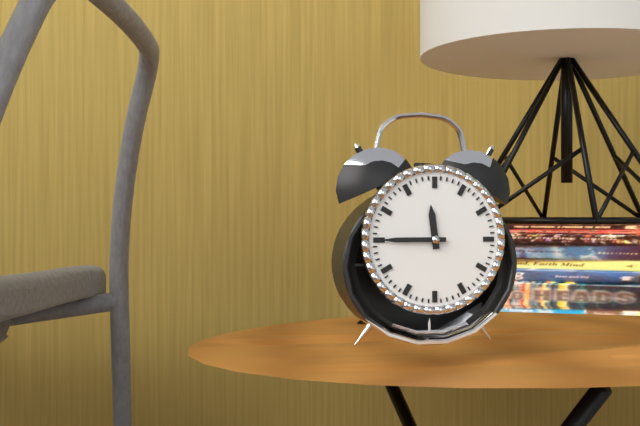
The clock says 11.45
